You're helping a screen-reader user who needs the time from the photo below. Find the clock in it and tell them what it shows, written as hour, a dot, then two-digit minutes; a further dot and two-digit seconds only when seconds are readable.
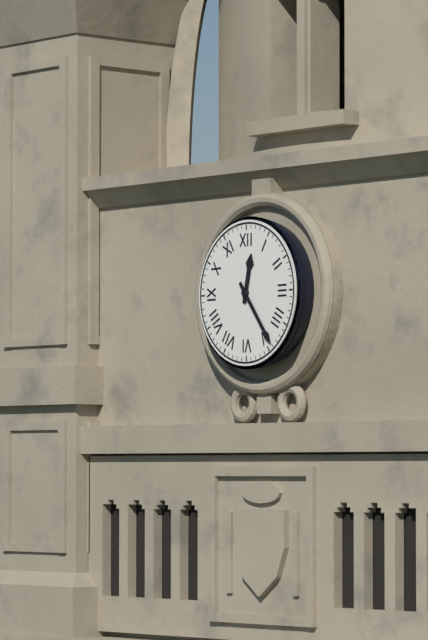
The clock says 12.24
